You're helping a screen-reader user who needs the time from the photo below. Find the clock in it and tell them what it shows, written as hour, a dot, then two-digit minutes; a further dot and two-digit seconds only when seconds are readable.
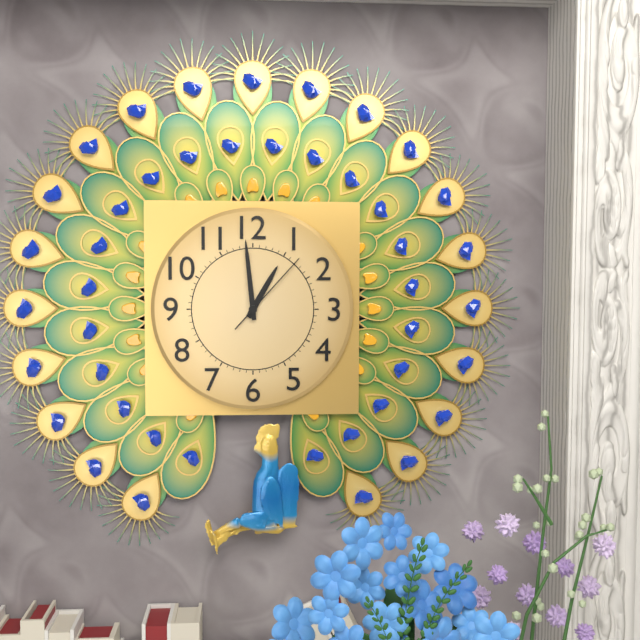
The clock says 12.59.07
